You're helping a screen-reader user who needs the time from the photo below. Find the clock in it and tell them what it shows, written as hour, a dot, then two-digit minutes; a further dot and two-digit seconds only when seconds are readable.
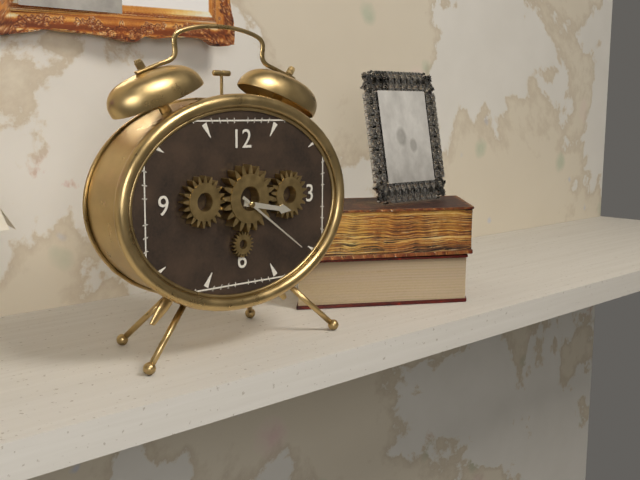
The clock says 3.21
